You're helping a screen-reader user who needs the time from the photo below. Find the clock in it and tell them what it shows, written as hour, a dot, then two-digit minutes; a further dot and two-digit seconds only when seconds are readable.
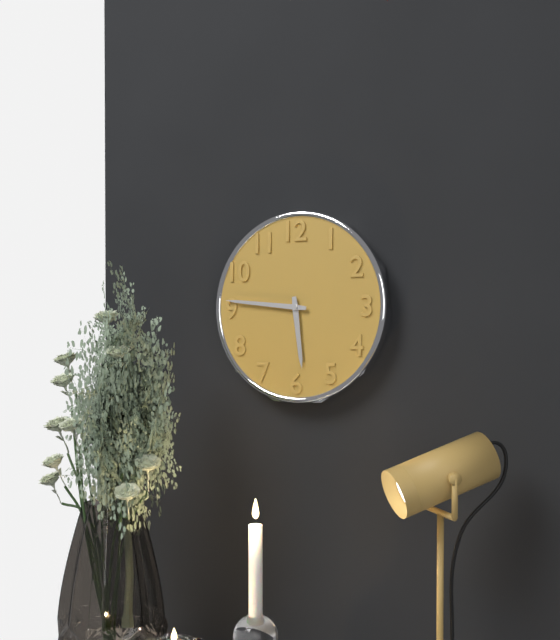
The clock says 5.46
